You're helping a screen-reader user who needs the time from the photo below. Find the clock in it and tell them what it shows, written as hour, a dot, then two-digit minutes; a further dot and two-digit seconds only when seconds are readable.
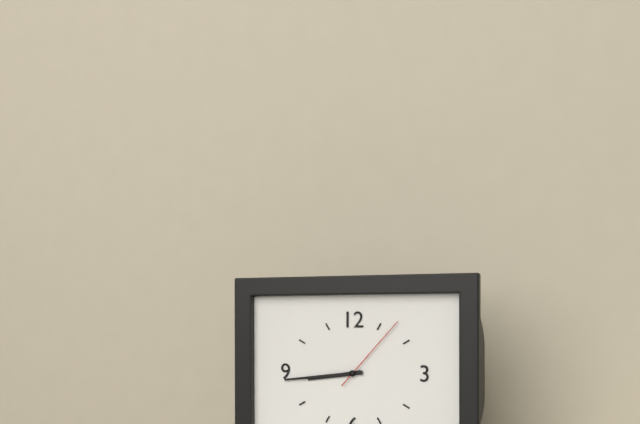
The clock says 8.44.07
